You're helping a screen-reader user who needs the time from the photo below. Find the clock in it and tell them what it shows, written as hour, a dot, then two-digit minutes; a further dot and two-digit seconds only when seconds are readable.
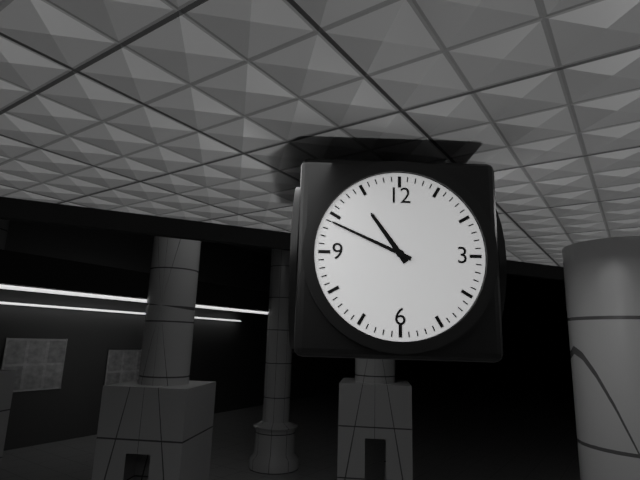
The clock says 10.49
